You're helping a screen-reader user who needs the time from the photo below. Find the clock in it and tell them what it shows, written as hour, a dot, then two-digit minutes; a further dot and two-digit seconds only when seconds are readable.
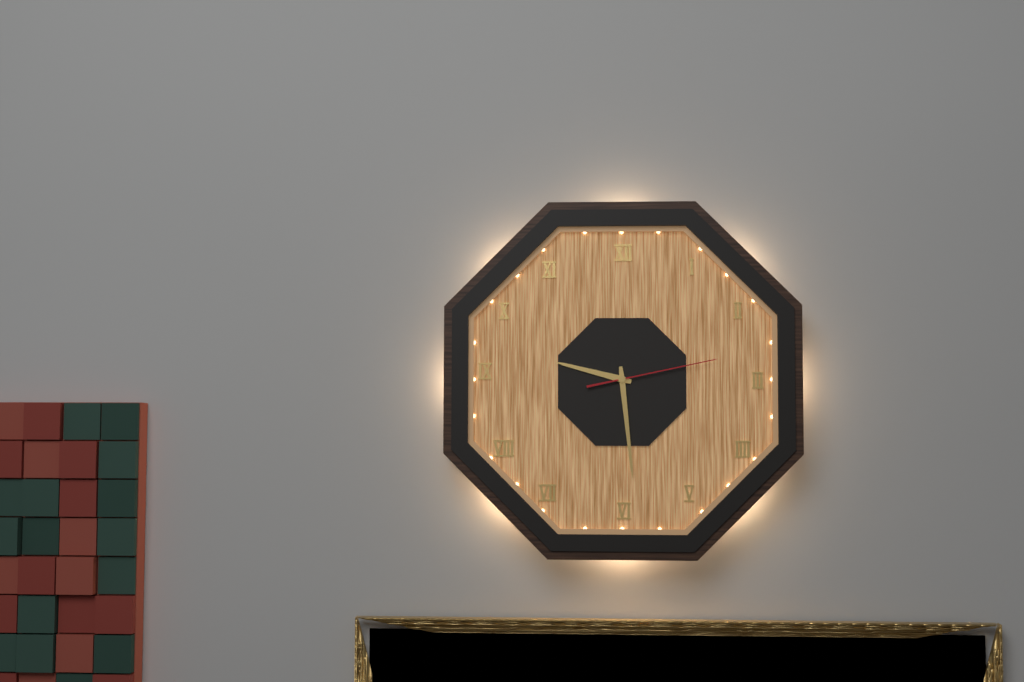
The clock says 9.29.13
